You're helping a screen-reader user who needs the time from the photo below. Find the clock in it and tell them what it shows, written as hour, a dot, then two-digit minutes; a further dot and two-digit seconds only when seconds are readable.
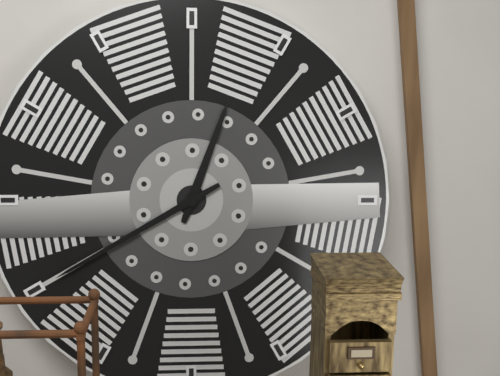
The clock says 12.40
